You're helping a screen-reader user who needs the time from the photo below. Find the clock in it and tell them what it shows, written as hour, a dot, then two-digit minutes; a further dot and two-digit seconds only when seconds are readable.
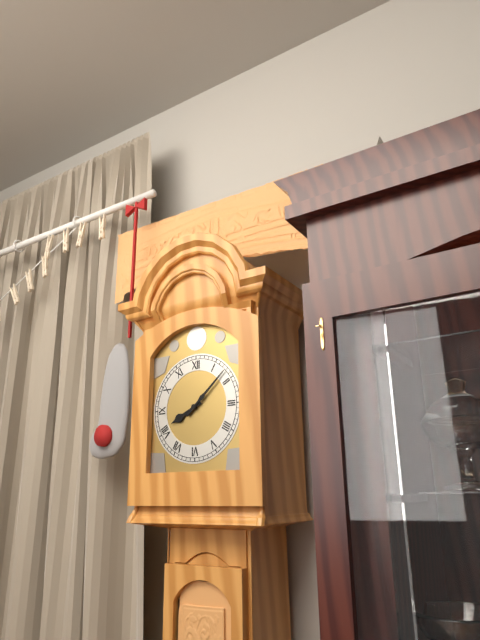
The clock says 8.08
